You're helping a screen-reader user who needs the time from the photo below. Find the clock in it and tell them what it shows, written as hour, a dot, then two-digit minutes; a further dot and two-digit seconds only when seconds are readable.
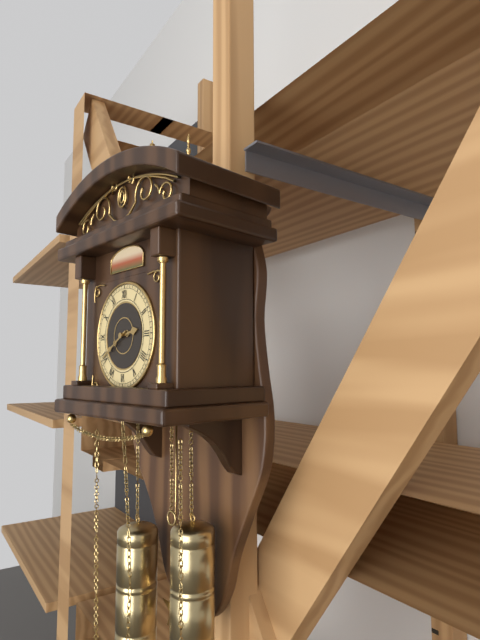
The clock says 2.40
